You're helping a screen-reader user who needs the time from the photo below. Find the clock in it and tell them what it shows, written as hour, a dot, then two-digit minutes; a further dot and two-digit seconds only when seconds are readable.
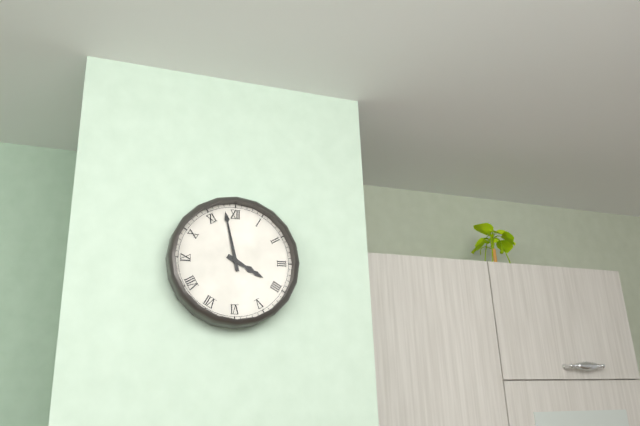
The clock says 3.58
